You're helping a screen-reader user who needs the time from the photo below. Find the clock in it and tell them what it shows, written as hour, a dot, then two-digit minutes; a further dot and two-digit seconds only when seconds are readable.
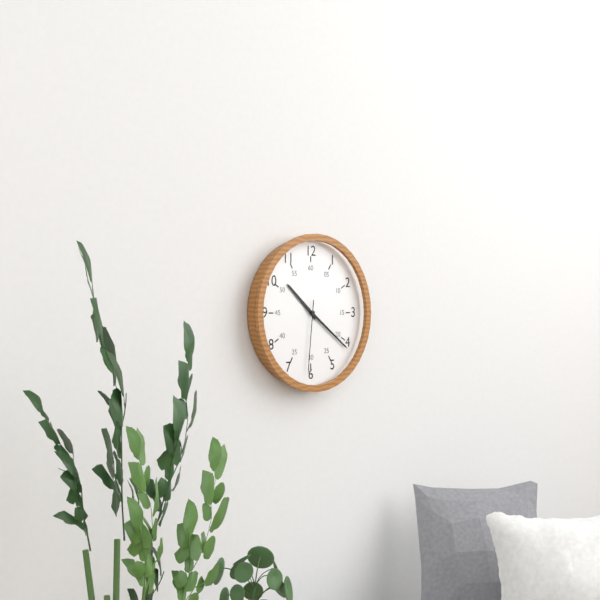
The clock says 10.21.31
